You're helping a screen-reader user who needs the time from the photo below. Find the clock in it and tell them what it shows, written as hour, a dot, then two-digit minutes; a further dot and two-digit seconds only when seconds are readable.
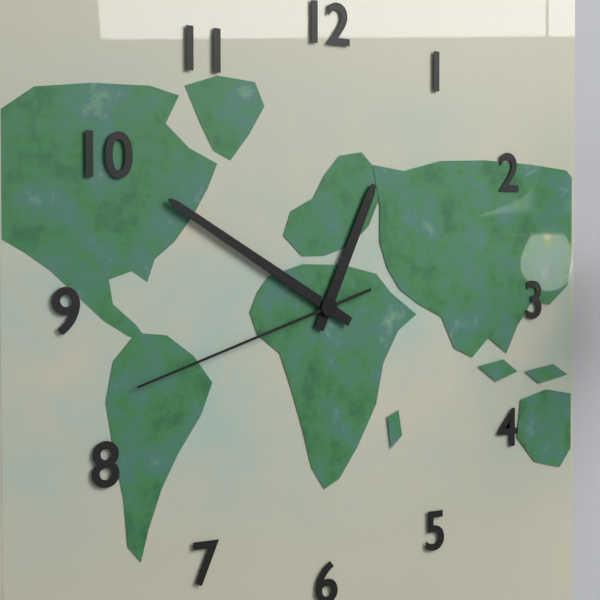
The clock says 12.50.42
